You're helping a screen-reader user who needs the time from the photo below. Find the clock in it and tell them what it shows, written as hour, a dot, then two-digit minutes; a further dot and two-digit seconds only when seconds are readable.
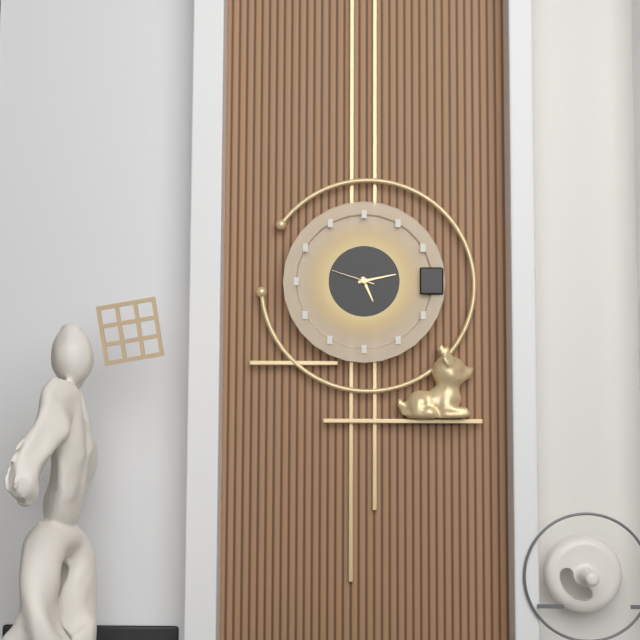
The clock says 5.13
